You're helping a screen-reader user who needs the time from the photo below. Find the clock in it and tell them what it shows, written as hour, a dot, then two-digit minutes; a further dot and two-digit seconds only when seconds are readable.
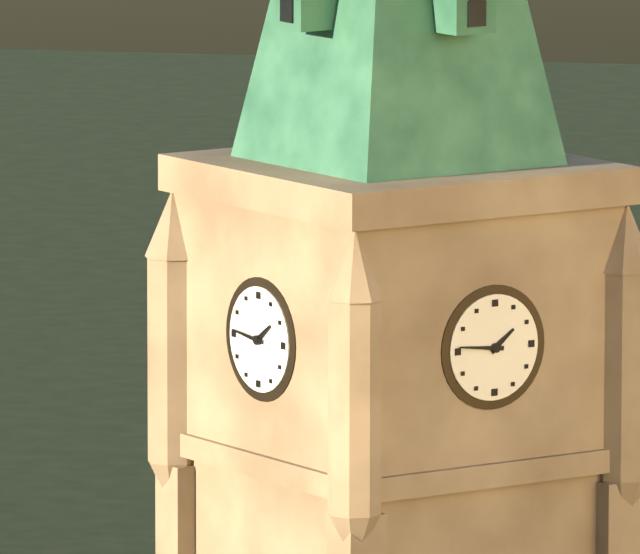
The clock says 1.46
